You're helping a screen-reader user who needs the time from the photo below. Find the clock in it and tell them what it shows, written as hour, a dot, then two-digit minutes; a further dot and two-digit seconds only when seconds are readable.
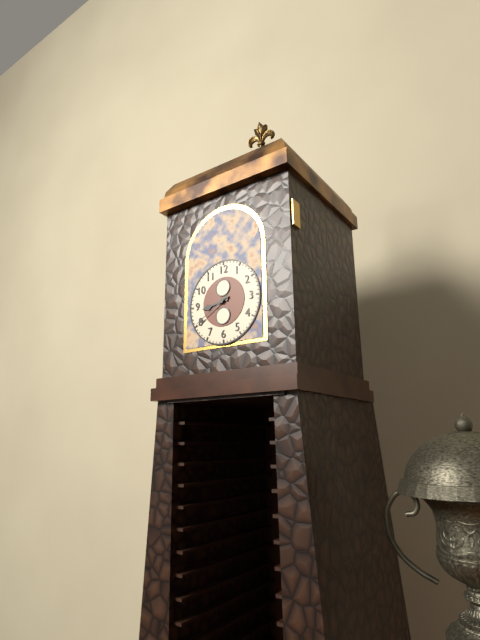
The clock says 8.40
